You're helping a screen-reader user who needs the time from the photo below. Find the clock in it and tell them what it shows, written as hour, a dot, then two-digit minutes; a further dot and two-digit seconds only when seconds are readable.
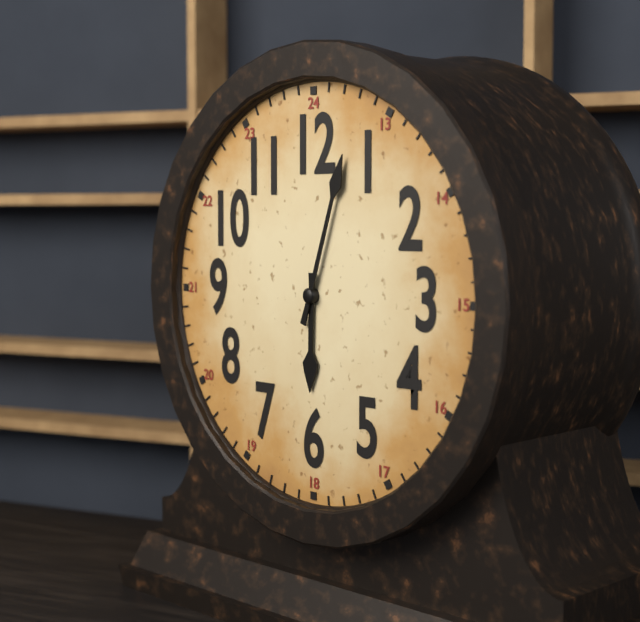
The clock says 6.03
